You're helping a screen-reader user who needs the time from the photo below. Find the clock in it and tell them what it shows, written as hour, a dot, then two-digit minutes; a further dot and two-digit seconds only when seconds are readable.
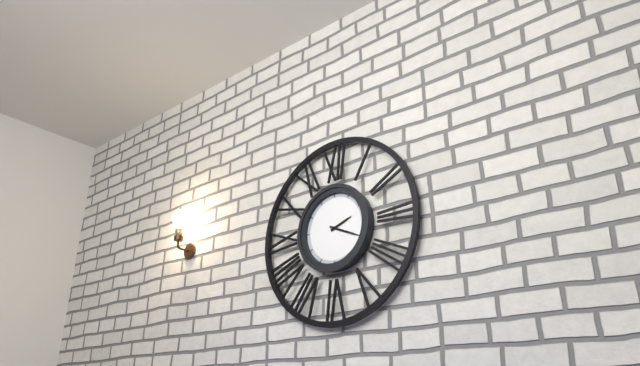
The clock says 2.19
